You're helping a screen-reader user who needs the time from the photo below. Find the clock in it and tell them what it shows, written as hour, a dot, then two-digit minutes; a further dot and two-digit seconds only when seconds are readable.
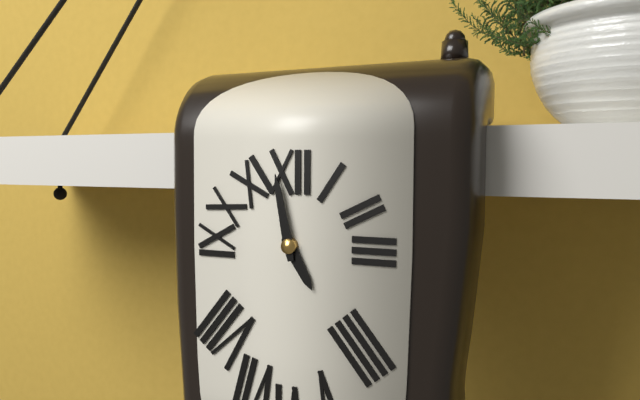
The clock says 4.58
